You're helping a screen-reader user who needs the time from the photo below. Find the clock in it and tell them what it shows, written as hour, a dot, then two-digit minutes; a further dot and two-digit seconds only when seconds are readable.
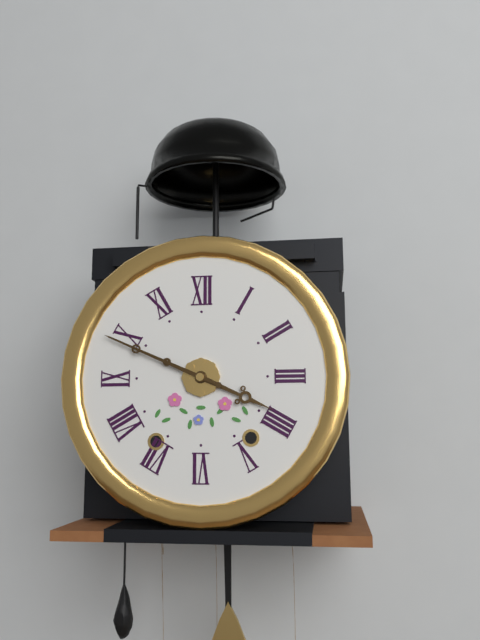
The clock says 3.49
